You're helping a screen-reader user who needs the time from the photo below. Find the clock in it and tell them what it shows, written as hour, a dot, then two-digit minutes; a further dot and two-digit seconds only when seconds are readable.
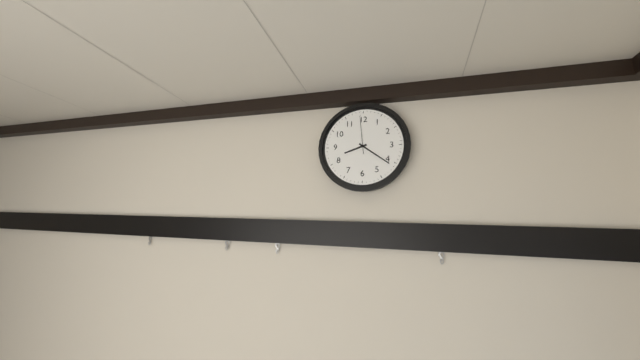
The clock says 8.21
